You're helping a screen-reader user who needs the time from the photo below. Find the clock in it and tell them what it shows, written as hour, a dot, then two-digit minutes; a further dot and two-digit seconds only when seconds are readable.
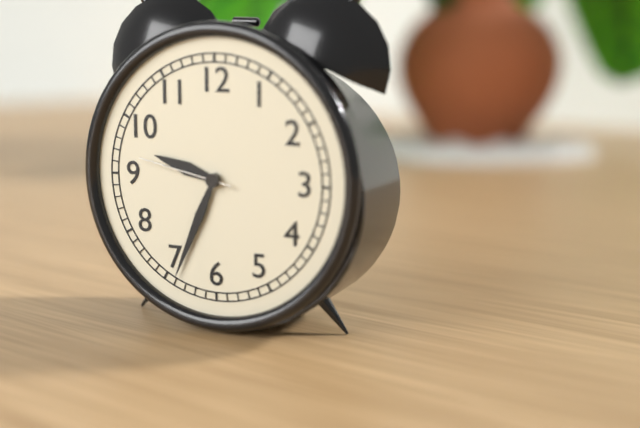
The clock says 9.34.47
